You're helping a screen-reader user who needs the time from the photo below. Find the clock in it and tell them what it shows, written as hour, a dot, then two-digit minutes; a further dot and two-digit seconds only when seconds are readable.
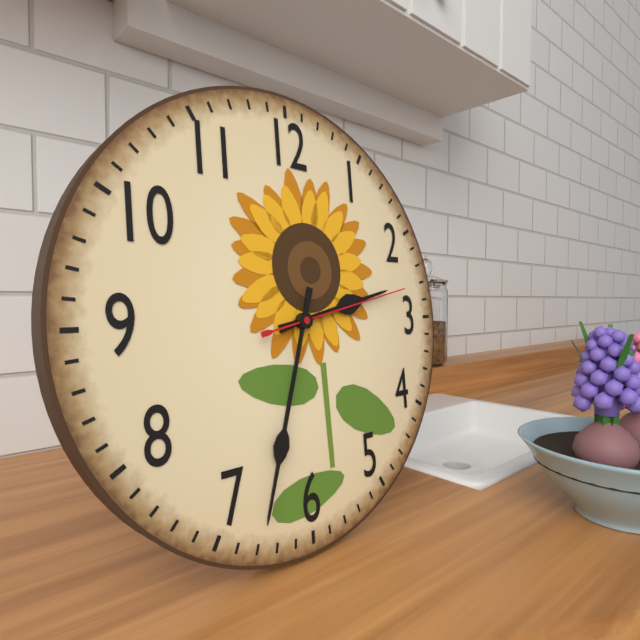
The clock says 2.33.13
